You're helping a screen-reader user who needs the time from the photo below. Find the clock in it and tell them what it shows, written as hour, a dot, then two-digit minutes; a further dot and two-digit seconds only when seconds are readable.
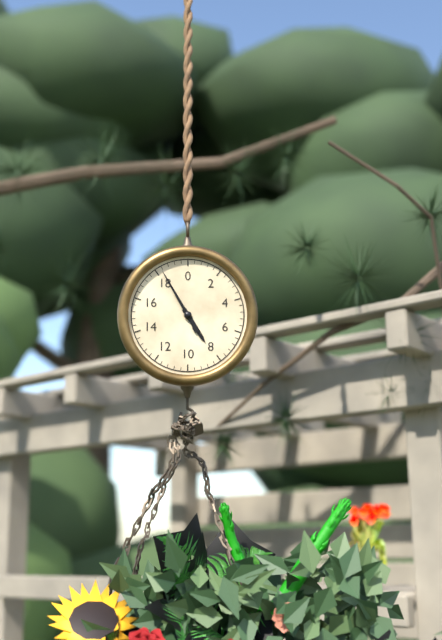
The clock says 4.55
